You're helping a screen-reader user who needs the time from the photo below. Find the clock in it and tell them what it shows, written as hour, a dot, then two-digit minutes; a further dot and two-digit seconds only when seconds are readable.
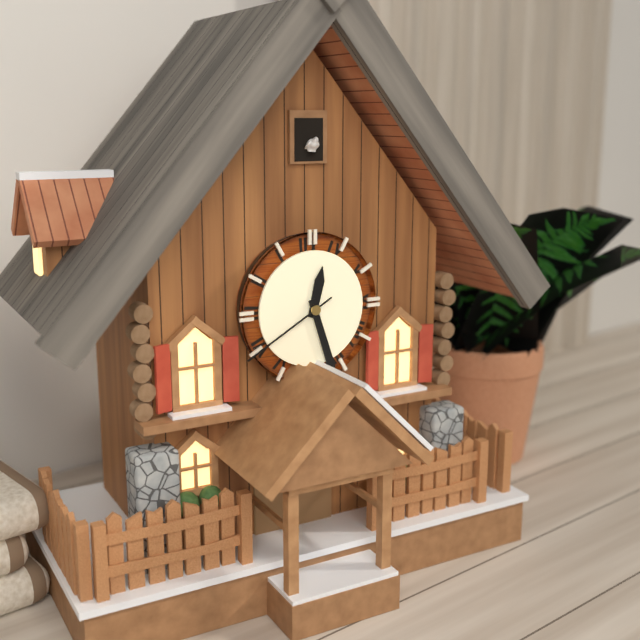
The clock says 12.27.40
